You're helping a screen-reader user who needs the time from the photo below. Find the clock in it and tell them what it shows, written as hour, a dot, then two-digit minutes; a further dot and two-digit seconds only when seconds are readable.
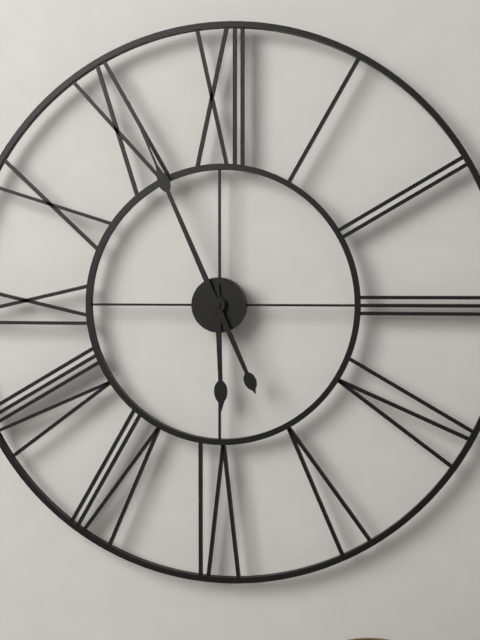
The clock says 5.56
